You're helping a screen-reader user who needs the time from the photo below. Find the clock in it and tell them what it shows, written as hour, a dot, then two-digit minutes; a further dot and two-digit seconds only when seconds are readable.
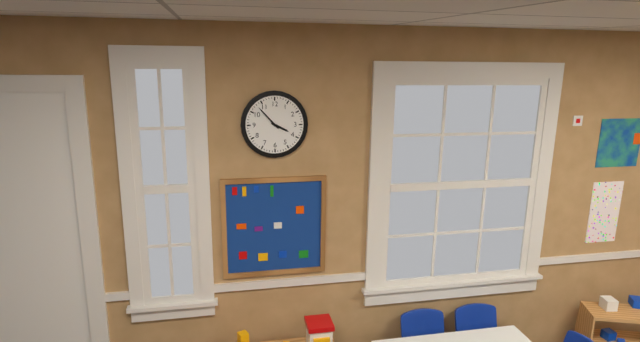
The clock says 3.53
